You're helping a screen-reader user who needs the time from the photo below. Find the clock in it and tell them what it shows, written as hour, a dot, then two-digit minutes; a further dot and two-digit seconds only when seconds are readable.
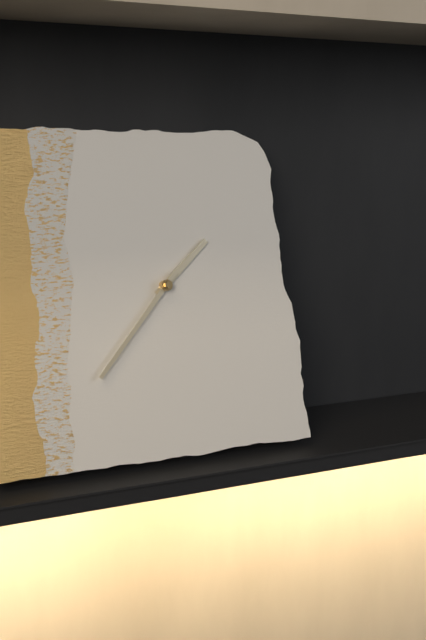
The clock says 1.37
